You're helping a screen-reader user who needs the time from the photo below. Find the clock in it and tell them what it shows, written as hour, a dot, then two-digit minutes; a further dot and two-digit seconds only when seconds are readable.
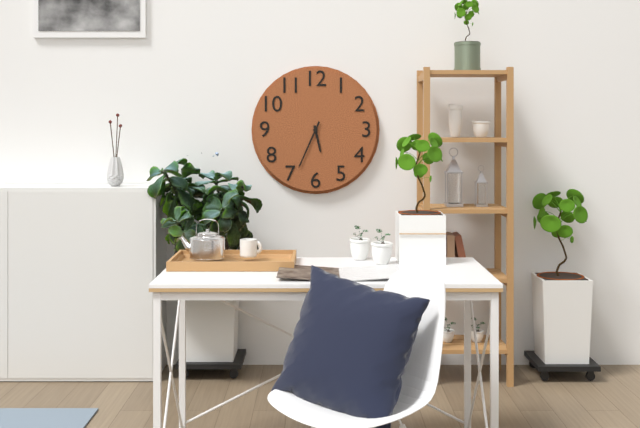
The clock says 5.34
